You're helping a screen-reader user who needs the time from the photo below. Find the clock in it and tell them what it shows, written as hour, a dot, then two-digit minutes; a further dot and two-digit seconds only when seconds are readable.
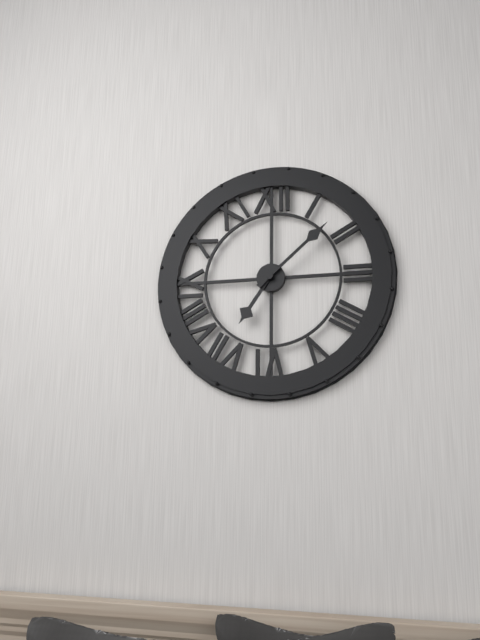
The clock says 7.08
